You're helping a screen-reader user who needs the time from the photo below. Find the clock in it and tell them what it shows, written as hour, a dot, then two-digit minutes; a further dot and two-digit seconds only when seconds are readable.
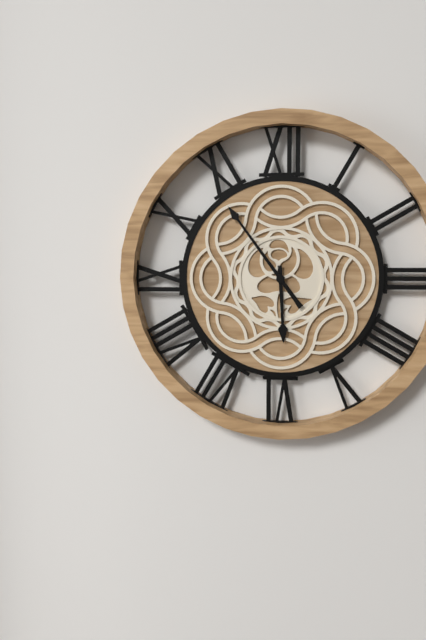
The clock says 5.54
